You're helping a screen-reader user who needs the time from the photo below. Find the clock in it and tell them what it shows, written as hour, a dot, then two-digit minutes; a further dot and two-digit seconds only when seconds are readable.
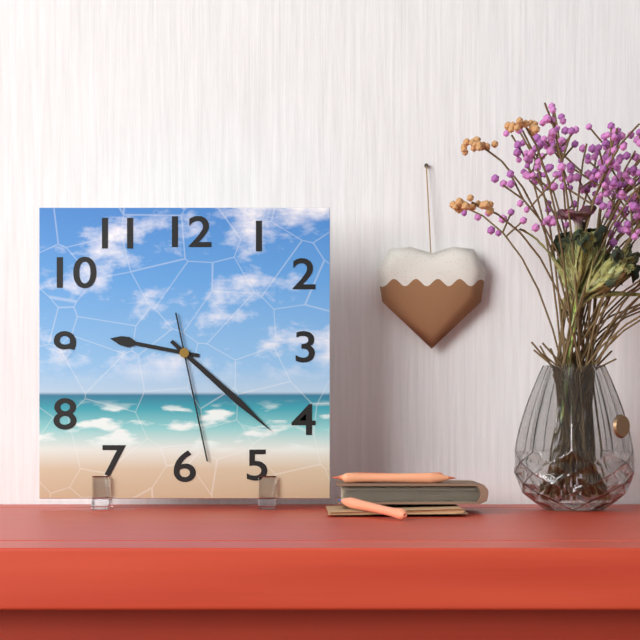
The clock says 9.22.28
